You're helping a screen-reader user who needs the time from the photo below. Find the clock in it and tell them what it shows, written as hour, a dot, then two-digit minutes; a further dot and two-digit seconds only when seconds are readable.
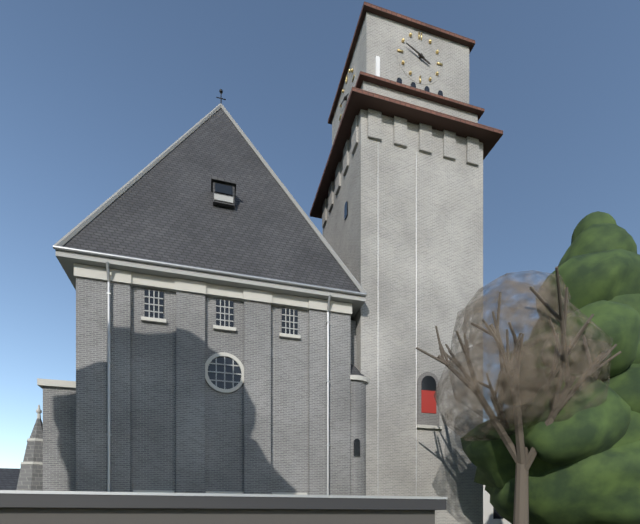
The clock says 3.49
